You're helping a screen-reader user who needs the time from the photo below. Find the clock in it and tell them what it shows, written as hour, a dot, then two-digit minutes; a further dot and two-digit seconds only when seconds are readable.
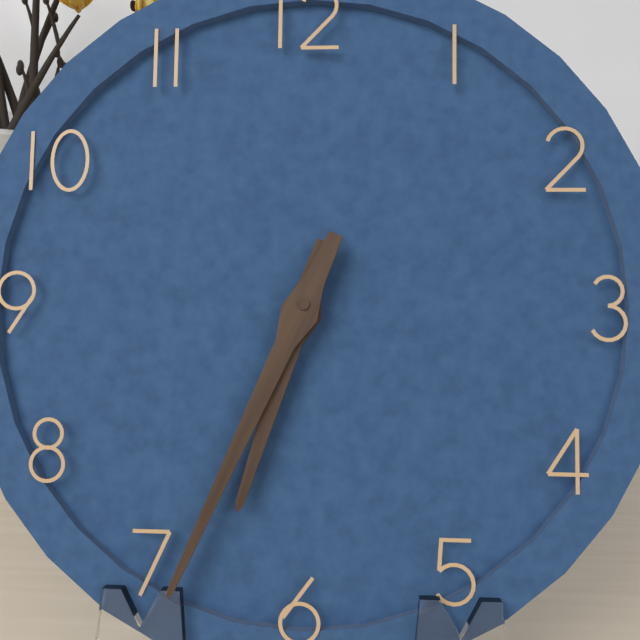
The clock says 6.34
